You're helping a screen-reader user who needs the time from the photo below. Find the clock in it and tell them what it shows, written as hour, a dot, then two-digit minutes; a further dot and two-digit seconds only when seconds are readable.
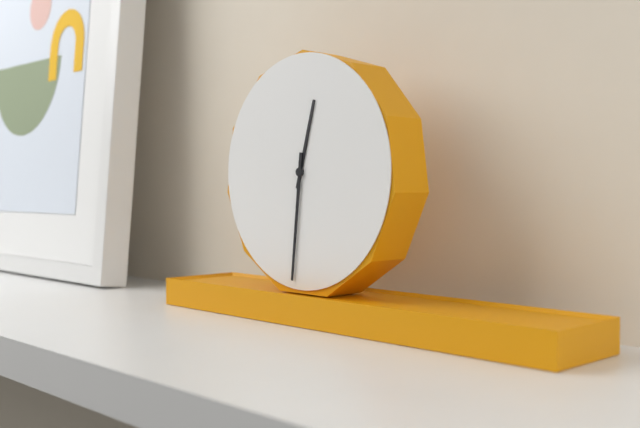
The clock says 12.31
